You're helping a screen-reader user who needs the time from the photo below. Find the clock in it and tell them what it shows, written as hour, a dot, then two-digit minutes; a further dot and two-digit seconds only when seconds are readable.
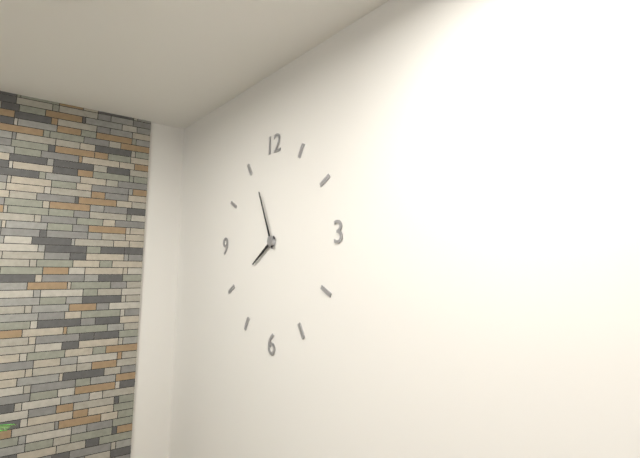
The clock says 7.56
